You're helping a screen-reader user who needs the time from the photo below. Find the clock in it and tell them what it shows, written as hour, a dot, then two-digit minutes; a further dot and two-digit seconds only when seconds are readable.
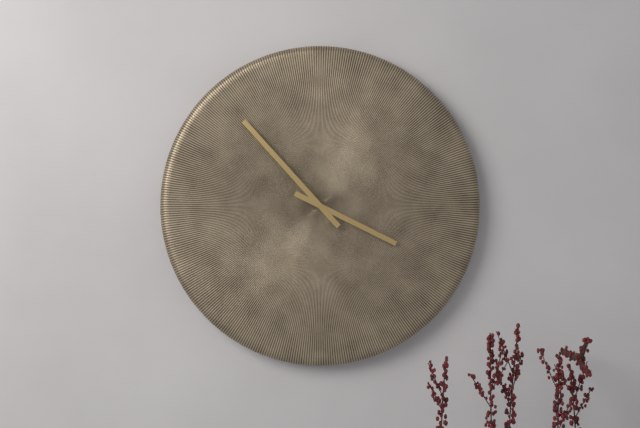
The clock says 3.53
